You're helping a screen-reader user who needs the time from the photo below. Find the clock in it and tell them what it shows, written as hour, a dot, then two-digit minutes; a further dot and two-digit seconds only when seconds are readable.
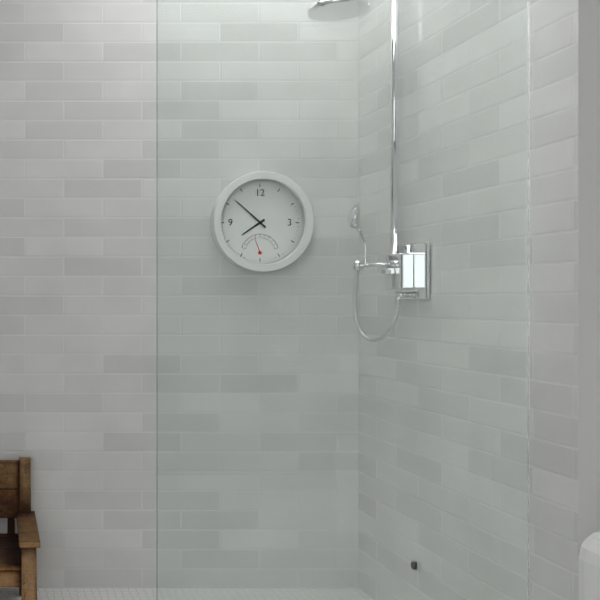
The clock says 7.52
